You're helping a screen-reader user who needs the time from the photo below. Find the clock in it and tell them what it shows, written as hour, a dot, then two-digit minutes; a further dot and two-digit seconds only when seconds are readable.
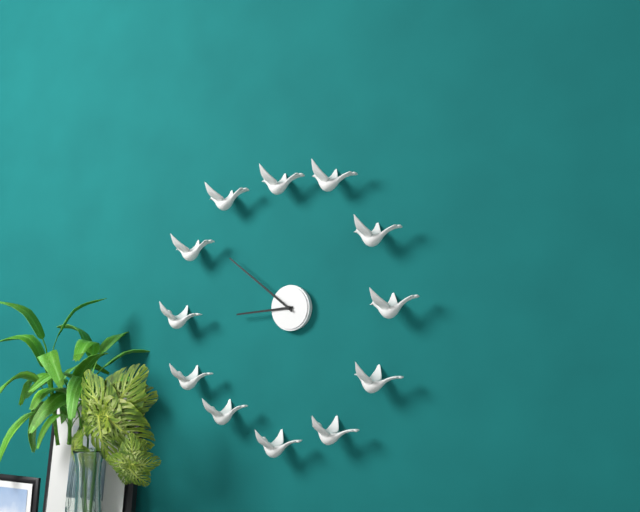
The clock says 8.51
